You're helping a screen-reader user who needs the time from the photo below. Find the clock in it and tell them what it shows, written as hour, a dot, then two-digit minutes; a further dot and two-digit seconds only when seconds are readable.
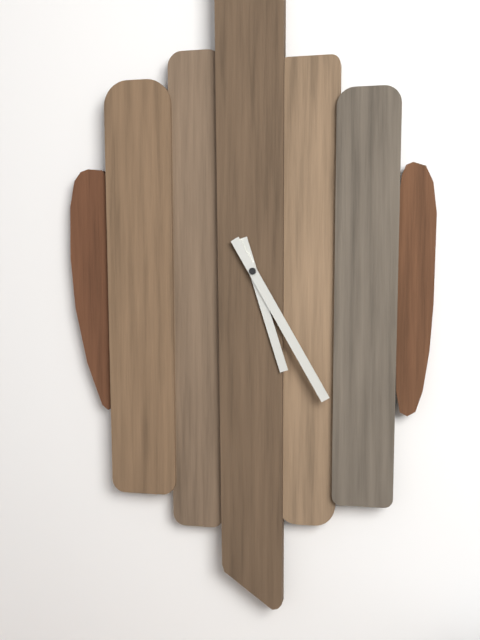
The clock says 5.25
